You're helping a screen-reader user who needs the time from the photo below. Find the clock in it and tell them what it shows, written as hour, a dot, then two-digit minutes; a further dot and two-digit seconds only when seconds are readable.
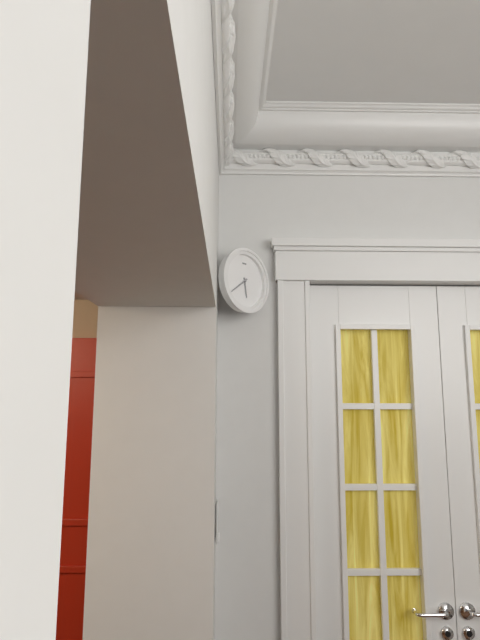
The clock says 5.39
